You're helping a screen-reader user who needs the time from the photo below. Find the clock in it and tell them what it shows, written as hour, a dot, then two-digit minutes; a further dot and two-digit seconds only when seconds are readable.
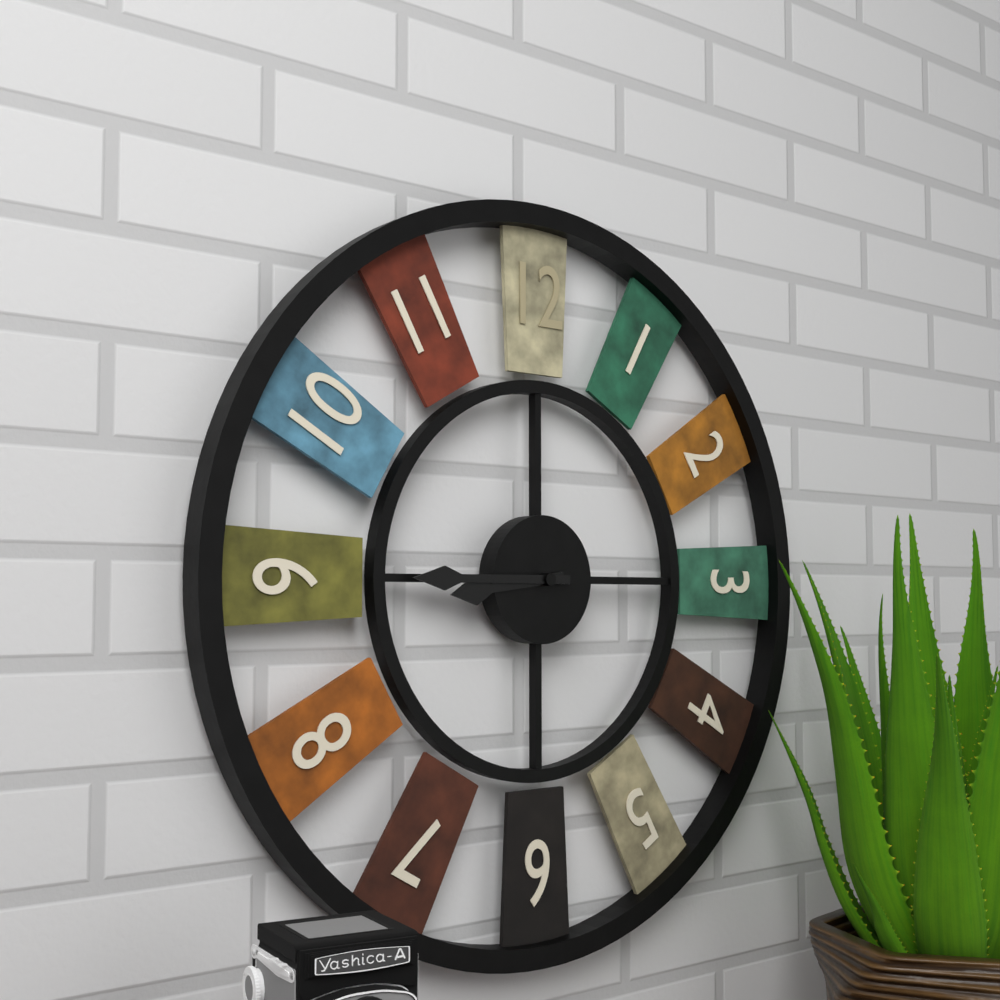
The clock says 8.45
